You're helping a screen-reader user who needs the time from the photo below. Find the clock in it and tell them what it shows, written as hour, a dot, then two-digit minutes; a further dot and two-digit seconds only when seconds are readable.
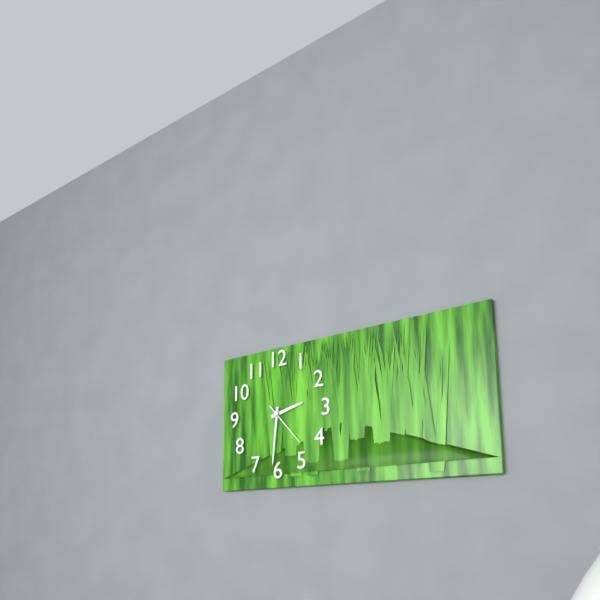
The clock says 2.31
